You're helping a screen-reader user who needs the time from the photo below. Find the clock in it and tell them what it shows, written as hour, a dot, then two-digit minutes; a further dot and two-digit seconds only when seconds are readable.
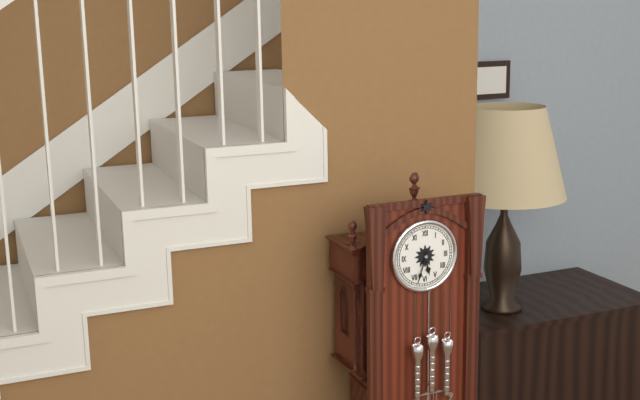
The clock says 5.33
